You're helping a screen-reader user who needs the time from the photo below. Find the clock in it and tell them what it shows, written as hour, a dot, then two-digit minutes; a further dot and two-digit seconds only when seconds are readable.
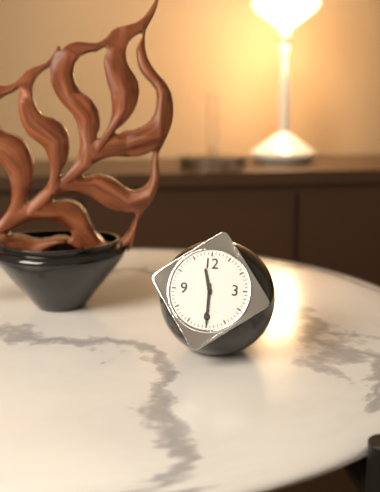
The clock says 11.30
